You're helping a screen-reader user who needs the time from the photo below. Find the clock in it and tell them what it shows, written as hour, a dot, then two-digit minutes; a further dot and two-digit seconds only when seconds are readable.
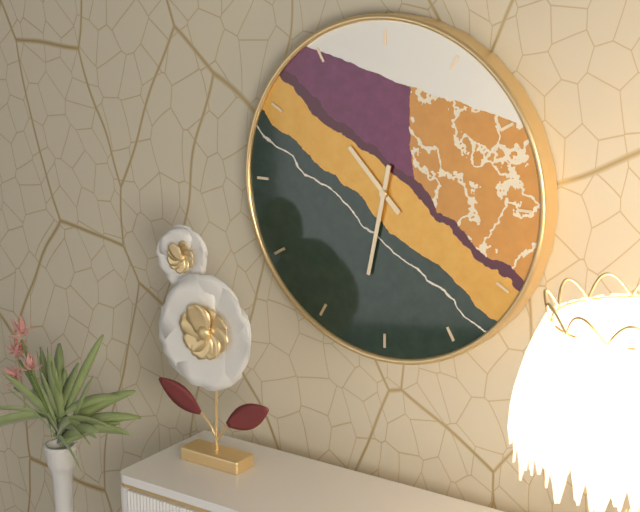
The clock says 10.32
